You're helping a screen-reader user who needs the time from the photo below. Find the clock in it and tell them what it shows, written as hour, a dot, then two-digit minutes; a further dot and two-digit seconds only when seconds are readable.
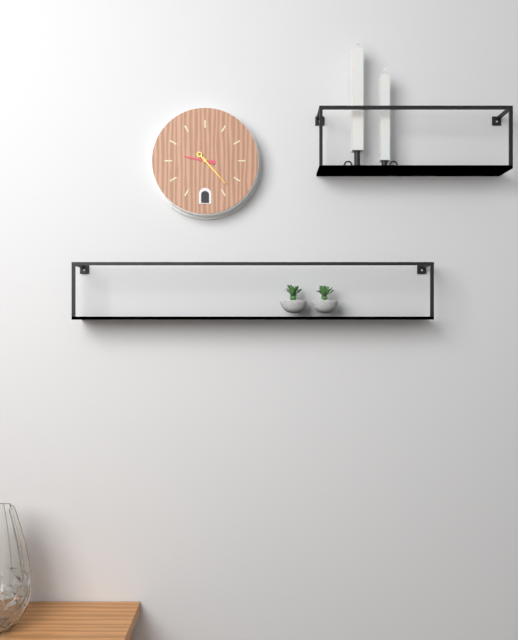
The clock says 9.23
